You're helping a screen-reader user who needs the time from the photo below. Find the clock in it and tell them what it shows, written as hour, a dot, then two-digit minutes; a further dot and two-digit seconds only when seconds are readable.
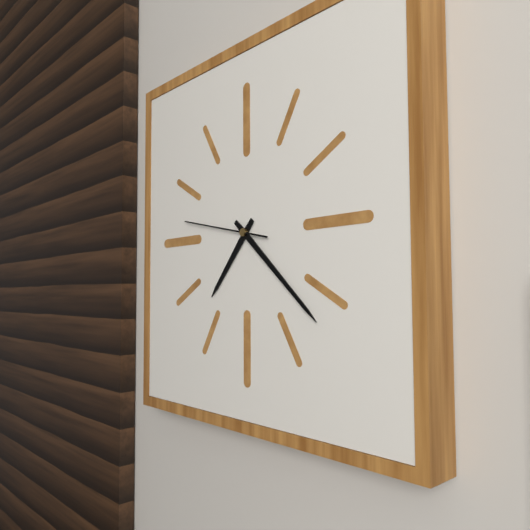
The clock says 7.22.47
